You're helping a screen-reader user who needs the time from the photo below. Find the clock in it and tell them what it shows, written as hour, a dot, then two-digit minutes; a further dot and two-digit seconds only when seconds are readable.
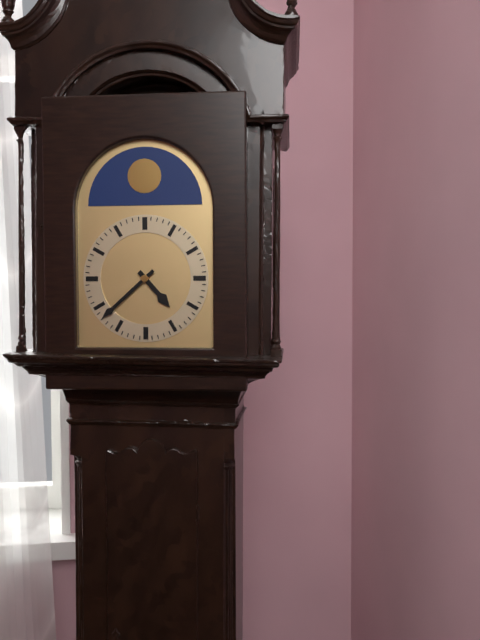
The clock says 4.38
